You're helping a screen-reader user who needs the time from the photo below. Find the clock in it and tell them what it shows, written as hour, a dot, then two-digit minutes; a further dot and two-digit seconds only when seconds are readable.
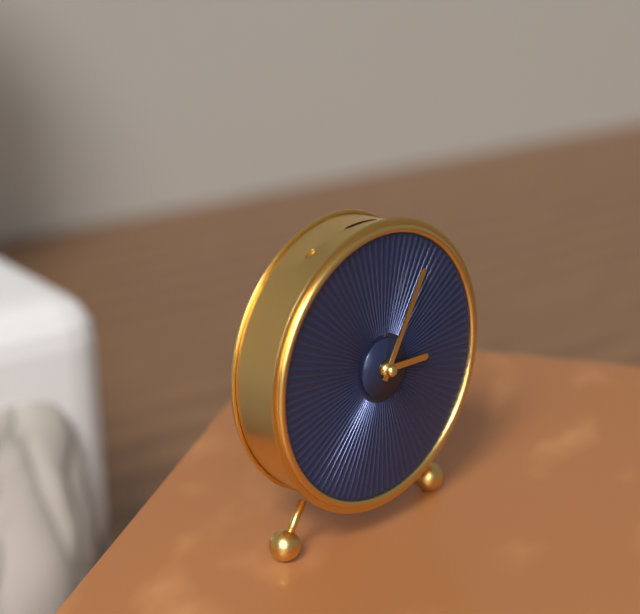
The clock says 3.05
